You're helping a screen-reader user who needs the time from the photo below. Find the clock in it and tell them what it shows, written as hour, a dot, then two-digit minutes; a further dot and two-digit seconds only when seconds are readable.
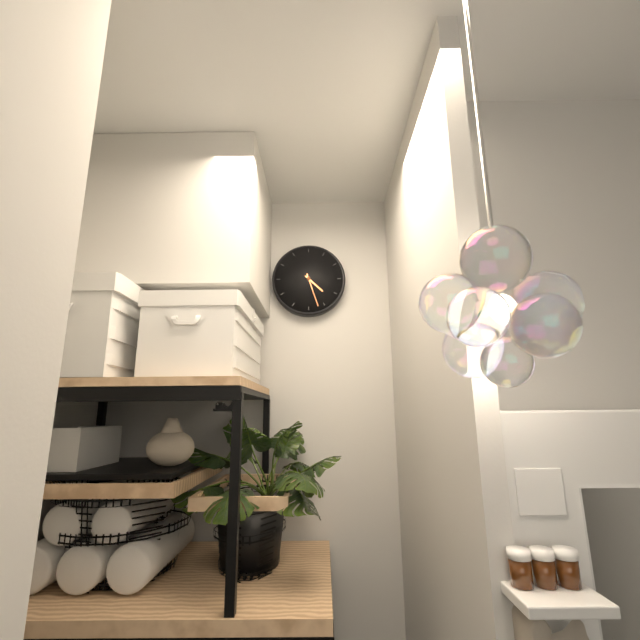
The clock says 4.27
